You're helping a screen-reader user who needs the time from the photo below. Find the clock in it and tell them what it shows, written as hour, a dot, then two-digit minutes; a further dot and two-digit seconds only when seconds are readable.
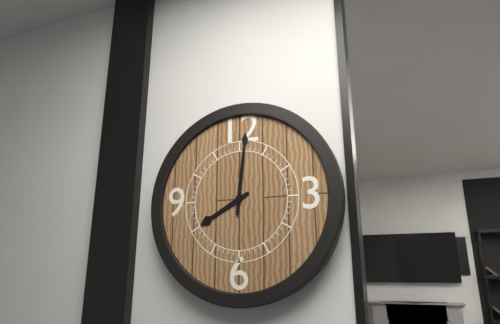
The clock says 8.01
